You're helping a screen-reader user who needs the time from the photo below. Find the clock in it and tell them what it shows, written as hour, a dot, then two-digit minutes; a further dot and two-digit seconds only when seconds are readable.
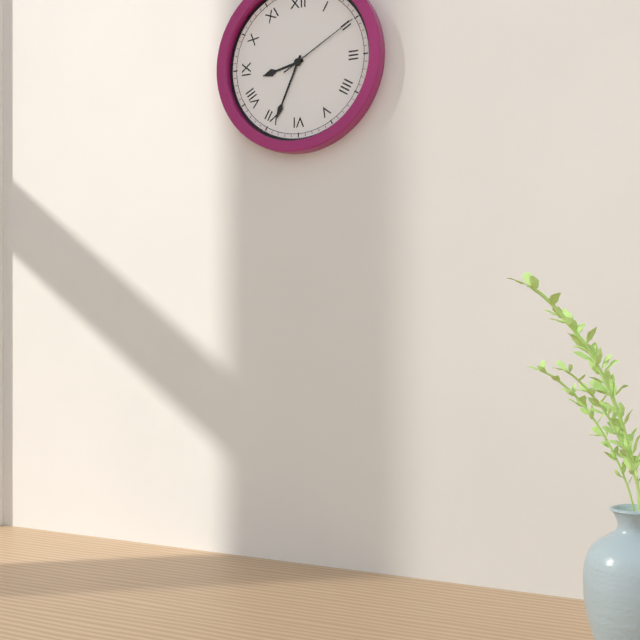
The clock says 8.34.10
